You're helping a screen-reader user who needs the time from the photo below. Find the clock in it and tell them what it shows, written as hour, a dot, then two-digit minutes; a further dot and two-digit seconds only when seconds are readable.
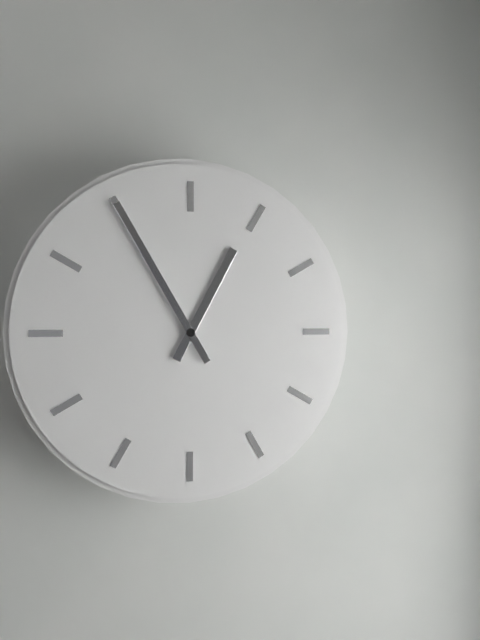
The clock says 12.55
